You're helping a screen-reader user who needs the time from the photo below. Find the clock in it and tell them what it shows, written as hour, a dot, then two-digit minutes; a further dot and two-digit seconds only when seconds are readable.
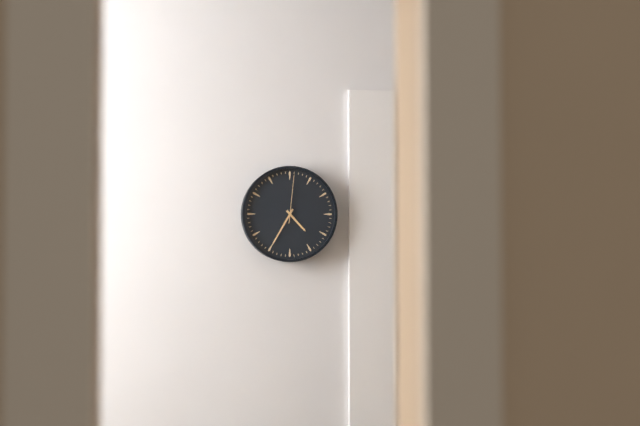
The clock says 4.35
